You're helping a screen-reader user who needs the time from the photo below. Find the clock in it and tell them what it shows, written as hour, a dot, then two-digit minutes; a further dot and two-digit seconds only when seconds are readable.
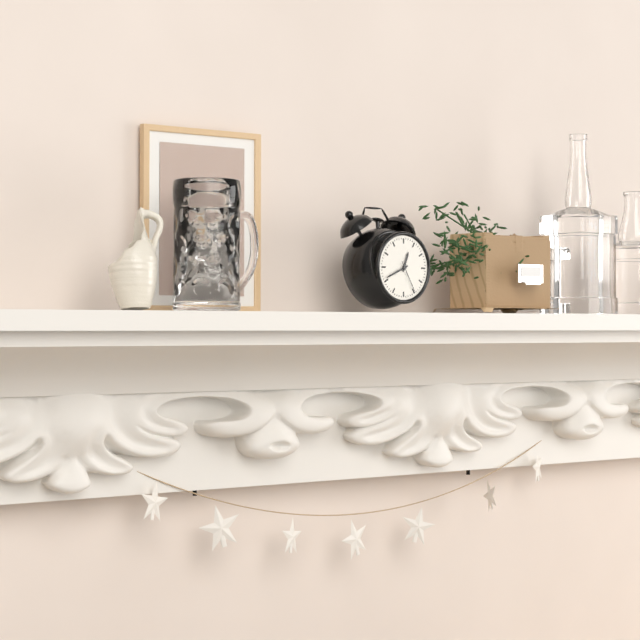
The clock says 12.41
